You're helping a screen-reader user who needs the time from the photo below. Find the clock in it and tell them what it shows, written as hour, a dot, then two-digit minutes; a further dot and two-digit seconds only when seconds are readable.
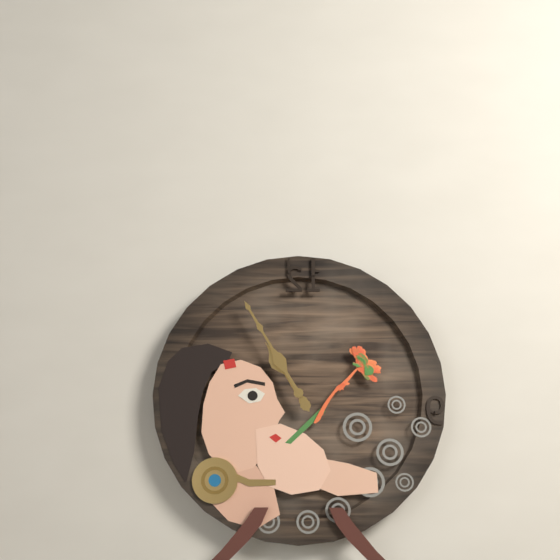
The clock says 10.55
